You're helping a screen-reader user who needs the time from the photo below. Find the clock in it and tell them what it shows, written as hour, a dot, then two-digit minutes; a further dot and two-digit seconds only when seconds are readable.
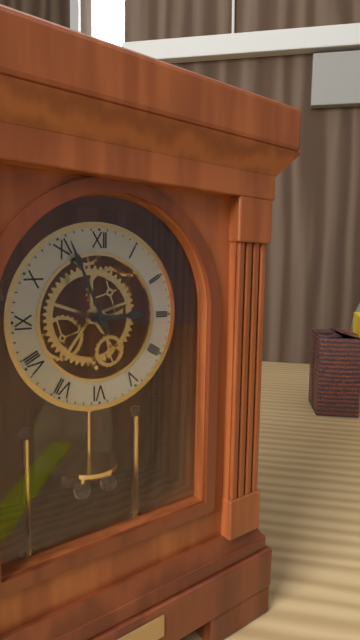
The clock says 2.56
